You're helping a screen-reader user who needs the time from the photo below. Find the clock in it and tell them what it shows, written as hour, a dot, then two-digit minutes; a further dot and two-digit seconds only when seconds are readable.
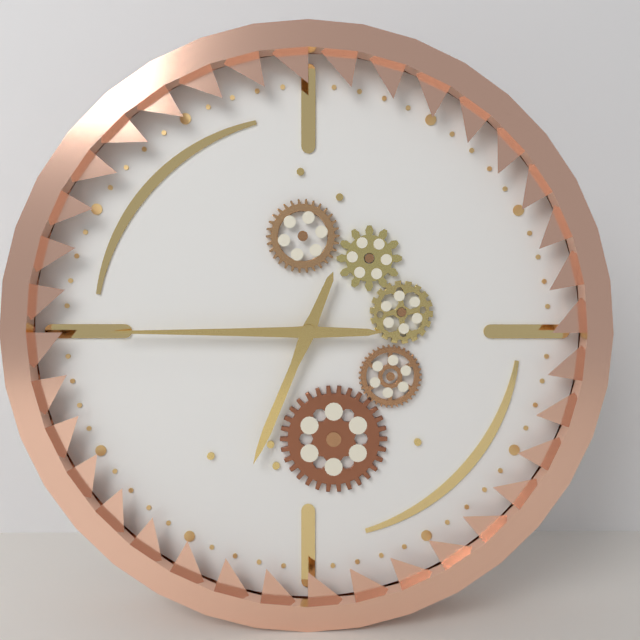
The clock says 6.45
